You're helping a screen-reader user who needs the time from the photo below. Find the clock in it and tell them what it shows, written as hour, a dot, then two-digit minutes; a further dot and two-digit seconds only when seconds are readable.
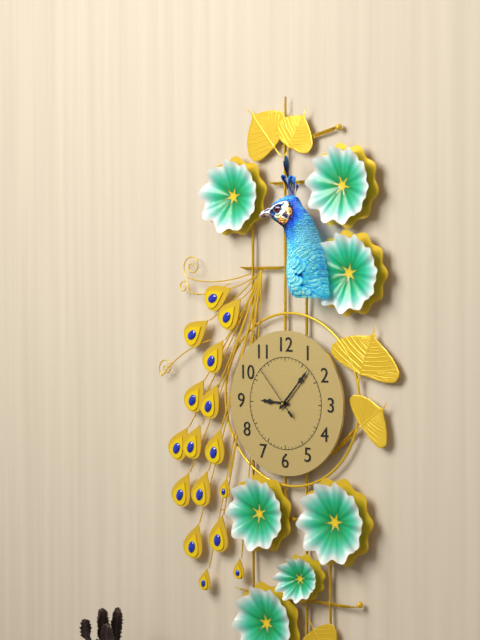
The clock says 9.07.53
